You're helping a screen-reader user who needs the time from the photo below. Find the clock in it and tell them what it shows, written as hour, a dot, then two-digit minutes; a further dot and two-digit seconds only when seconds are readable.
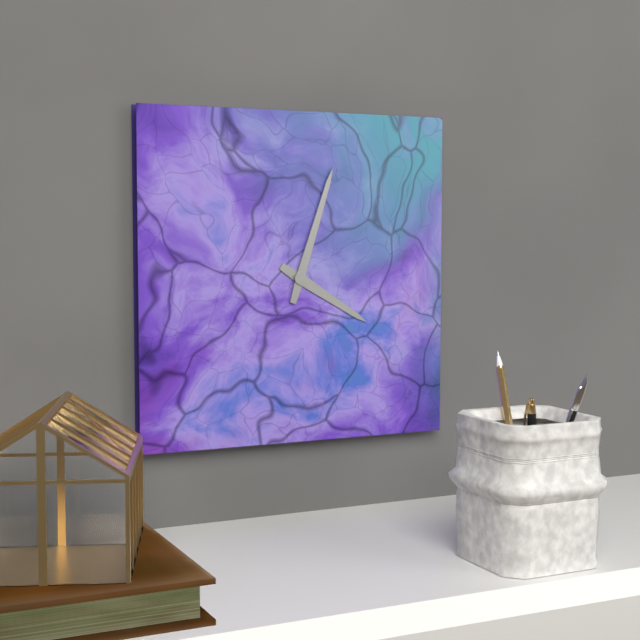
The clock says 4.03
